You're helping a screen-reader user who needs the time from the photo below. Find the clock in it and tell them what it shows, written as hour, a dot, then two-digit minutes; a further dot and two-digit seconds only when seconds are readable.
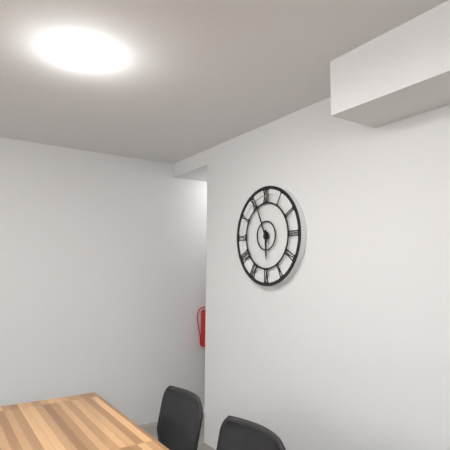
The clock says 5.56
